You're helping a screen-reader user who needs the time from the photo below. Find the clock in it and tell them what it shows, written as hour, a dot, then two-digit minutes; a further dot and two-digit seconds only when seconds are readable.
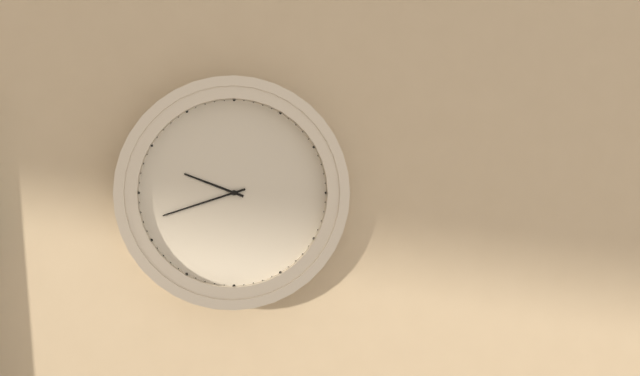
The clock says 9.42
